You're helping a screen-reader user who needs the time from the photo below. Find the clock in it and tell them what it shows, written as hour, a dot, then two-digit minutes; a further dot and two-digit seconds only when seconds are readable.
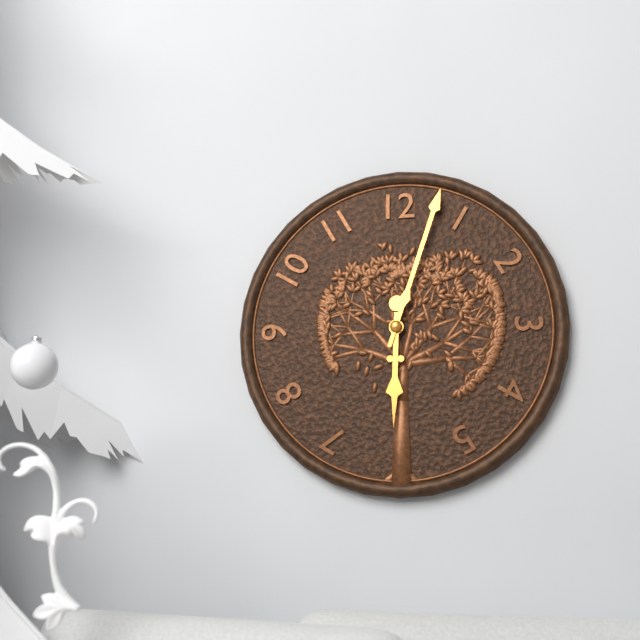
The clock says 6.03
